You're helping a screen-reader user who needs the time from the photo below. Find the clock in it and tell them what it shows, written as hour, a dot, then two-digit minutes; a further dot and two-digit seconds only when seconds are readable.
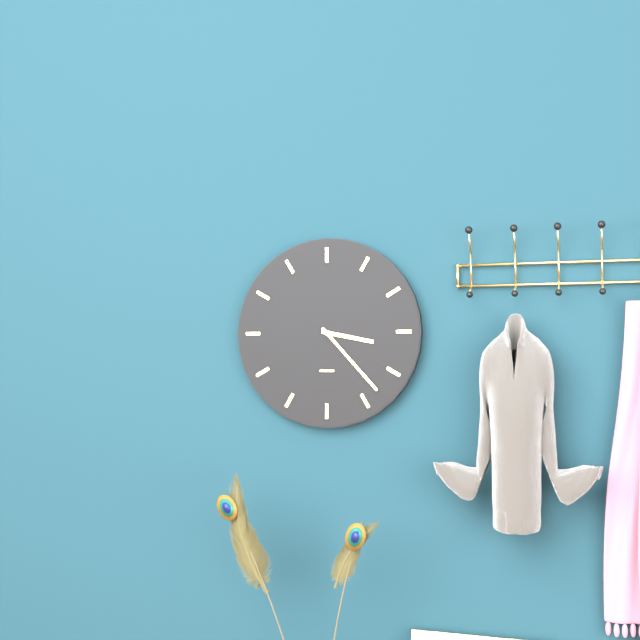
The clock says 3.23
